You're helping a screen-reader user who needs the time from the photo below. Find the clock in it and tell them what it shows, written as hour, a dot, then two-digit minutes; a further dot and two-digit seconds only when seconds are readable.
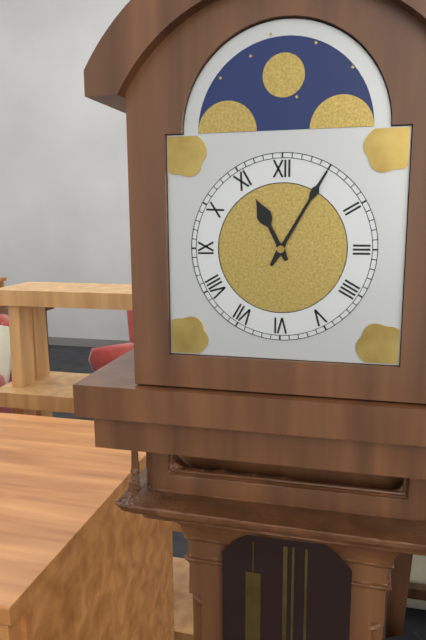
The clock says 11.05
